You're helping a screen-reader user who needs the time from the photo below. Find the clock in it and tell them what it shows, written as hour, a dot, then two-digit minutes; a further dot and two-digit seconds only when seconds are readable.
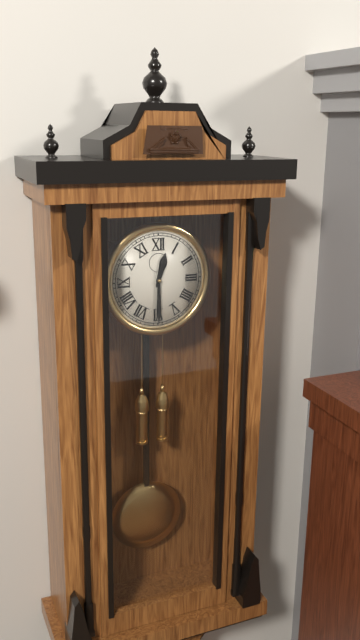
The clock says 12.30
